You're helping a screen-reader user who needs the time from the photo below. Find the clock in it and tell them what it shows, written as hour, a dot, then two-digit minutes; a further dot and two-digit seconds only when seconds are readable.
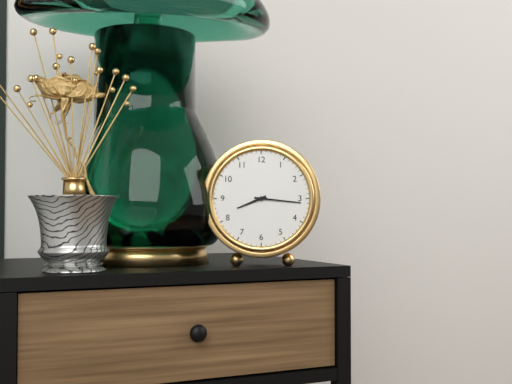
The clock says 8.16
